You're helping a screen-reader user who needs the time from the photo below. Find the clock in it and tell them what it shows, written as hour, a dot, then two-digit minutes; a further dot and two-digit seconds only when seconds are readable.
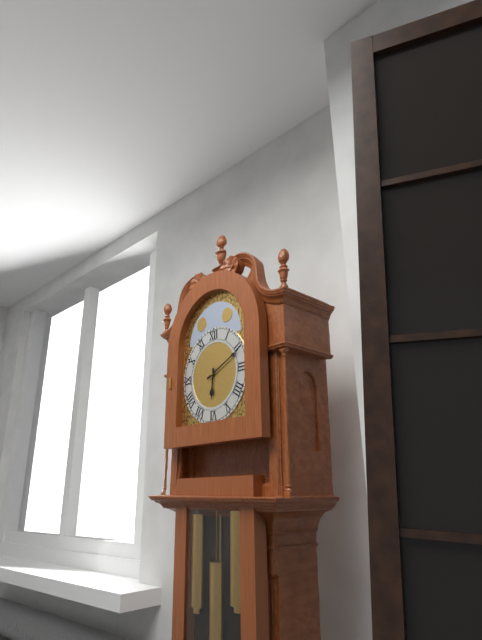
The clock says 6.11
